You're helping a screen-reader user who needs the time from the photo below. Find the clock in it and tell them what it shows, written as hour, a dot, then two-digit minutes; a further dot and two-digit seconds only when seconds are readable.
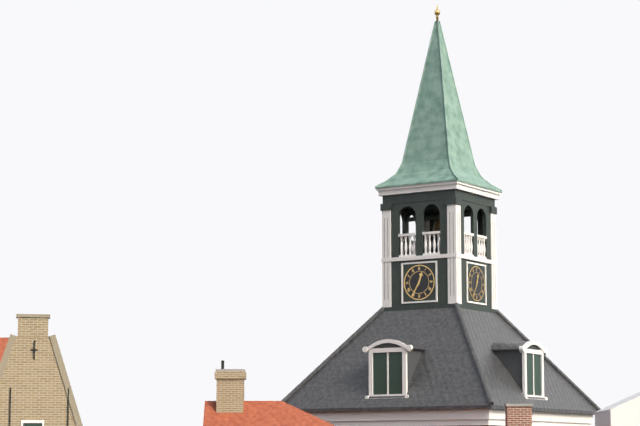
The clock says 12.35
